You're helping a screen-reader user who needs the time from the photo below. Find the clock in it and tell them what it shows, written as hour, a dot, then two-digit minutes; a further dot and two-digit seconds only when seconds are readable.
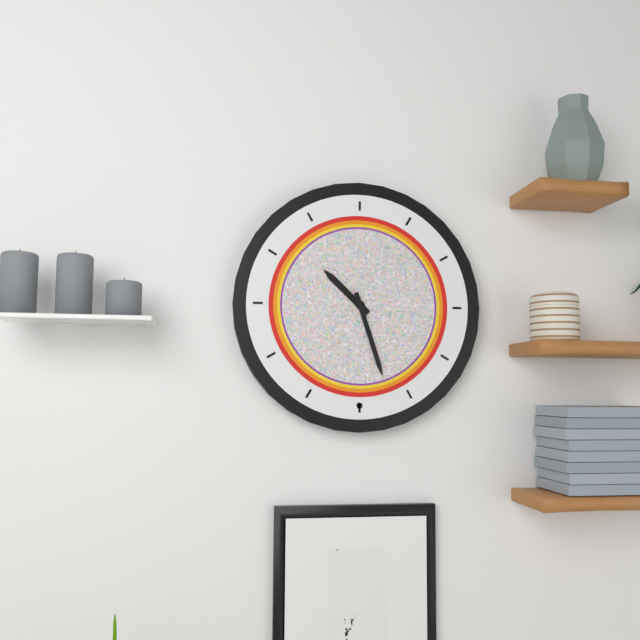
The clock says 10.27
